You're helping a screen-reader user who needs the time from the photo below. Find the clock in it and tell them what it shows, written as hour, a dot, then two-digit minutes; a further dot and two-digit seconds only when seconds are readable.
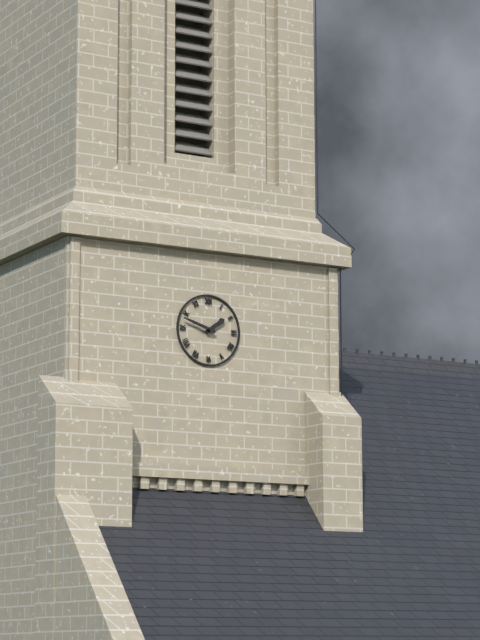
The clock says 1.48
